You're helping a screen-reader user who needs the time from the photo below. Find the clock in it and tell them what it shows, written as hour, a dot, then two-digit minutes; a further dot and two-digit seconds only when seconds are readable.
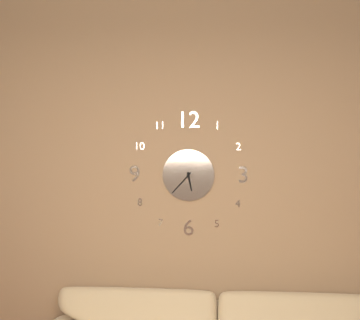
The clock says 5.37
